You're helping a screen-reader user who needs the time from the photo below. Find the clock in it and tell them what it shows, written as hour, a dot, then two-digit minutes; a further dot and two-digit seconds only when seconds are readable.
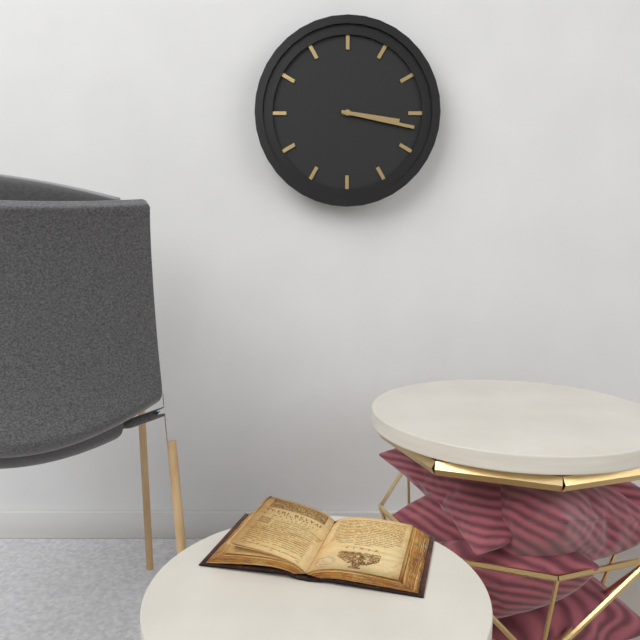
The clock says 3.17
